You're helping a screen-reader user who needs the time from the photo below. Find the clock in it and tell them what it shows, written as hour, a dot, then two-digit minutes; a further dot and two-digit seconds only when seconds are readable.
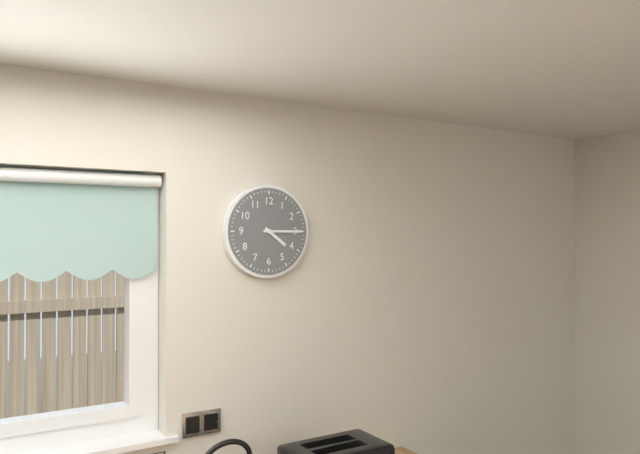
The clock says 4.15
